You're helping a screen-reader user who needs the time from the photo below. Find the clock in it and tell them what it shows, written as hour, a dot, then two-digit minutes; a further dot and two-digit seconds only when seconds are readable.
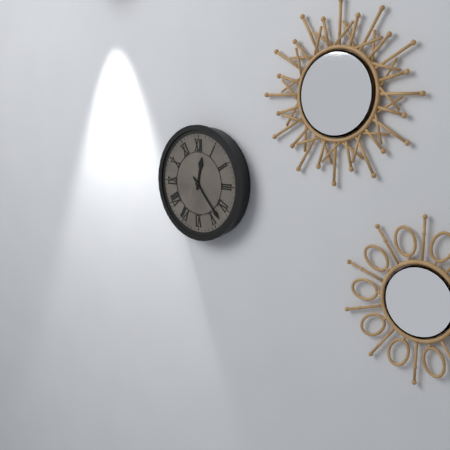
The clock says 12.23
